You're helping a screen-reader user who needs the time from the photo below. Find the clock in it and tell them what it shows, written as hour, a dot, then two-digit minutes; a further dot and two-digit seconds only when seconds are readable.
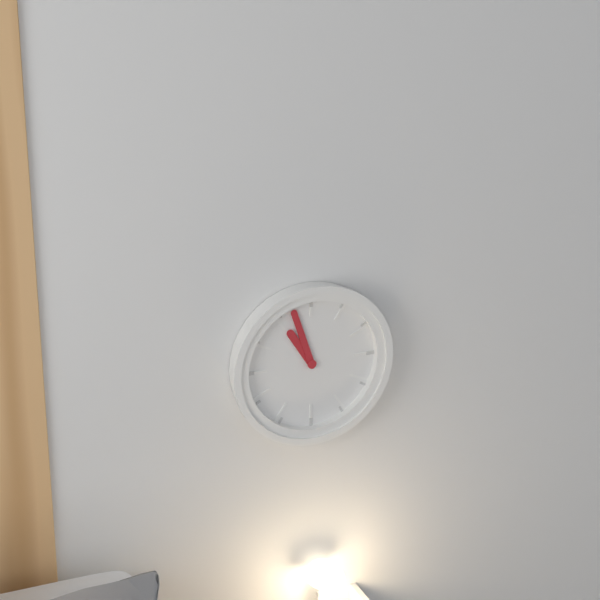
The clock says 10.57
